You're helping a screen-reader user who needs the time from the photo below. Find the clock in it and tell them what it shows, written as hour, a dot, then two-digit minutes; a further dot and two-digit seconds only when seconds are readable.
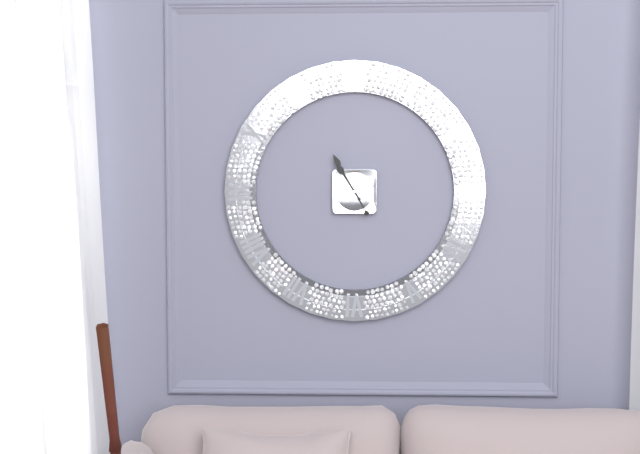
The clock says 10.55
